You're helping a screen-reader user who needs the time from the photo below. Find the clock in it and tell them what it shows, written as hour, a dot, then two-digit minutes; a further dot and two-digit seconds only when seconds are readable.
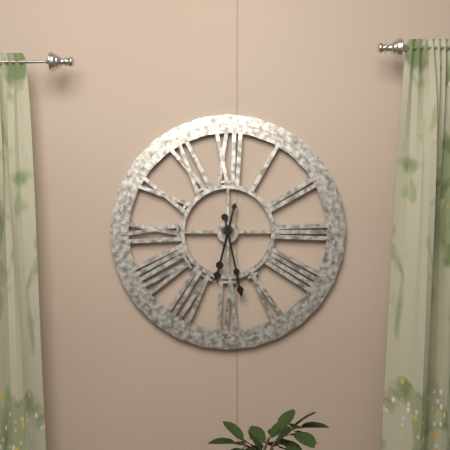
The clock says 6.28
